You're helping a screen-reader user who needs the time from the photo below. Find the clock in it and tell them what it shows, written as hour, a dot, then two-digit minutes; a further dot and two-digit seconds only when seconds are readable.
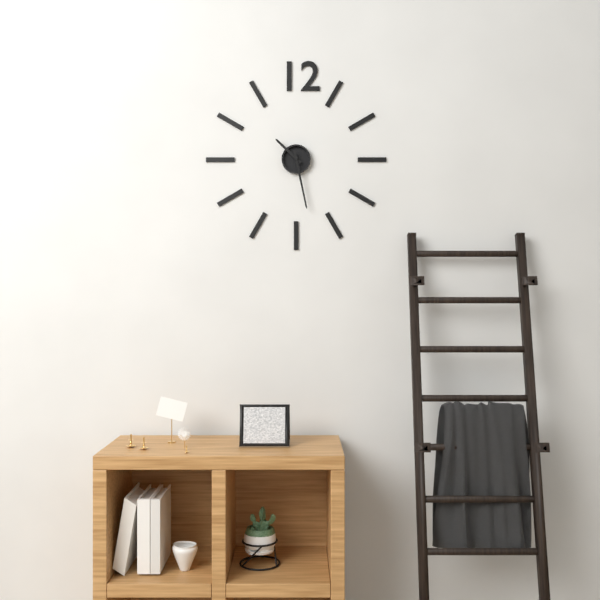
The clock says 10.28
